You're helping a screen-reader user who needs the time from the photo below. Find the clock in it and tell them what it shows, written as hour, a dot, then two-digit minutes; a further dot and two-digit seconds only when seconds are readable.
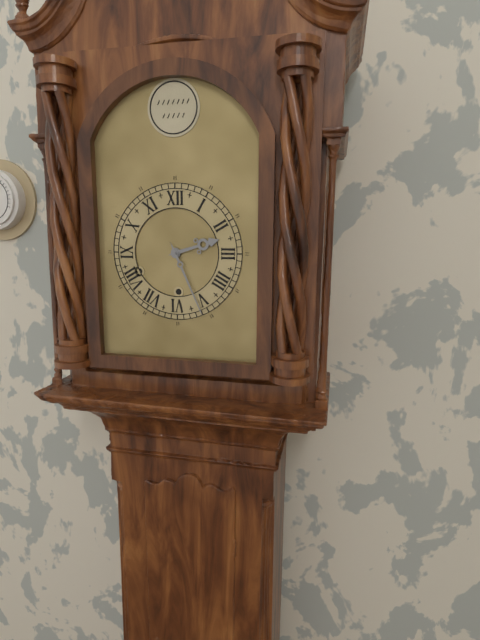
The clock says 2.26
